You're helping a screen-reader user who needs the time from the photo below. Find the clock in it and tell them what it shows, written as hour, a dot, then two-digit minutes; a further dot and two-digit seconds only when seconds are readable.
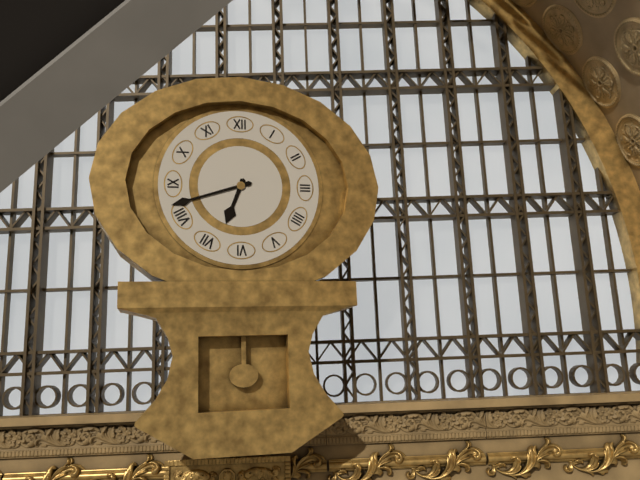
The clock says 6.42
